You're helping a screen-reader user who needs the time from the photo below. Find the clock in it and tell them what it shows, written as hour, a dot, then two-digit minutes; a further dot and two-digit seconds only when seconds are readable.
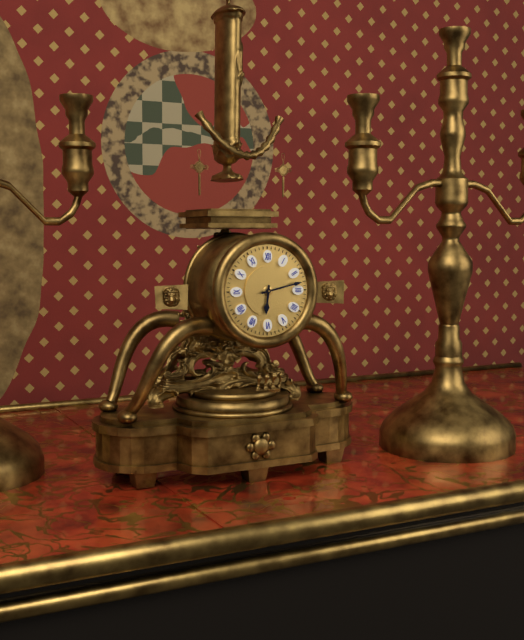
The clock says 6.13
